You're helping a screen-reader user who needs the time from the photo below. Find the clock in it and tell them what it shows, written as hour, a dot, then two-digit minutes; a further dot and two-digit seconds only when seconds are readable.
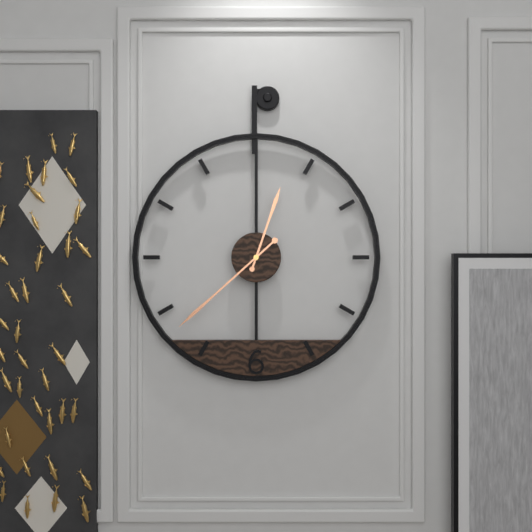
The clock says 12.38
